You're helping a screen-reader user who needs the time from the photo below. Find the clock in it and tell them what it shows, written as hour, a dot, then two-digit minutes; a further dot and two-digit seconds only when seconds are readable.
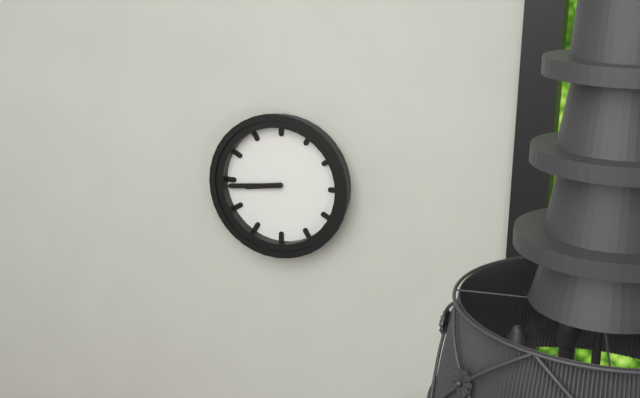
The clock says 8.44
